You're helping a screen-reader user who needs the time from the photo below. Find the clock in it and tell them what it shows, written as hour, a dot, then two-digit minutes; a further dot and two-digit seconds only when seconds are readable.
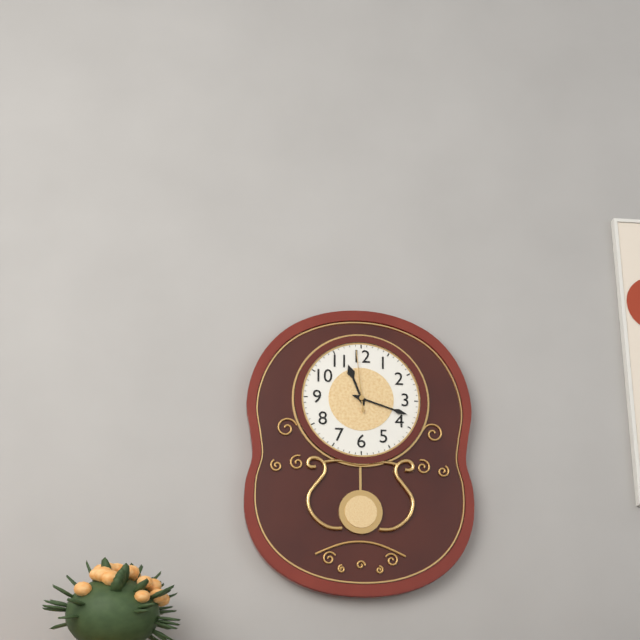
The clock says 11.18.59
